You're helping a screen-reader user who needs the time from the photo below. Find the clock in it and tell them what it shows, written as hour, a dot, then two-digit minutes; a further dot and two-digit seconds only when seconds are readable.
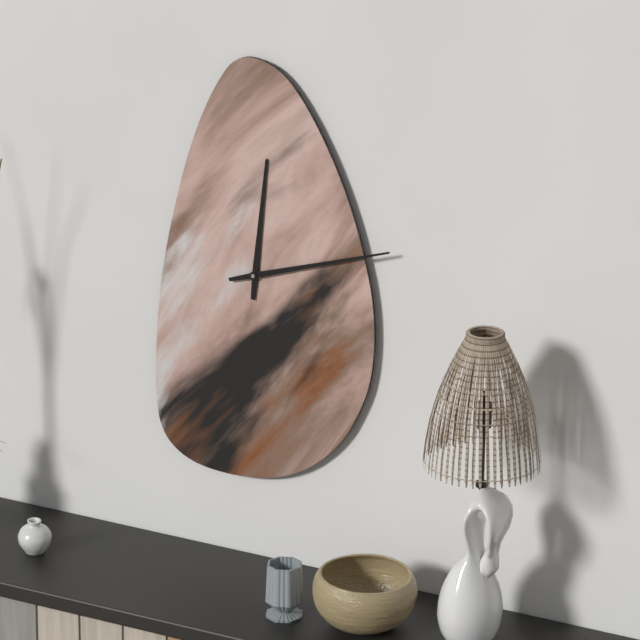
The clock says 12.12
